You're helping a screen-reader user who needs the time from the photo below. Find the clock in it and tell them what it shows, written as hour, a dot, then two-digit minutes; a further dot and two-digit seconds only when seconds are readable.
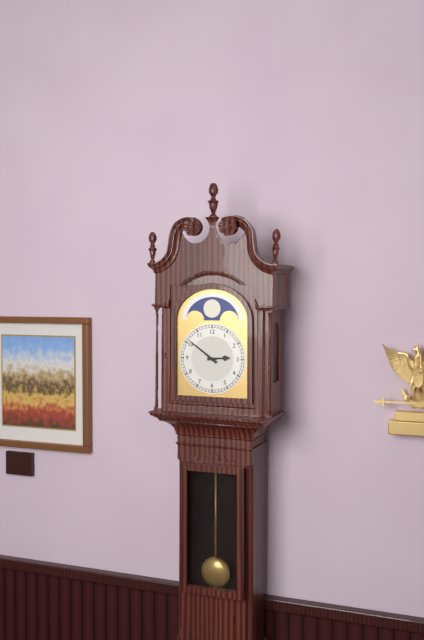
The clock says 2.51
